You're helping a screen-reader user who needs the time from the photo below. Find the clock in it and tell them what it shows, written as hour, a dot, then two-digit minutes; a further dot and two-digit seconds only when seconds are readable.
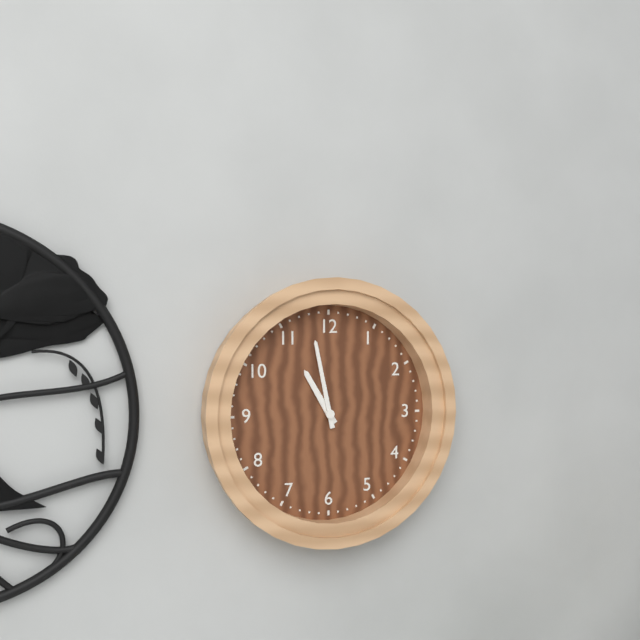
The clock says 10.58
